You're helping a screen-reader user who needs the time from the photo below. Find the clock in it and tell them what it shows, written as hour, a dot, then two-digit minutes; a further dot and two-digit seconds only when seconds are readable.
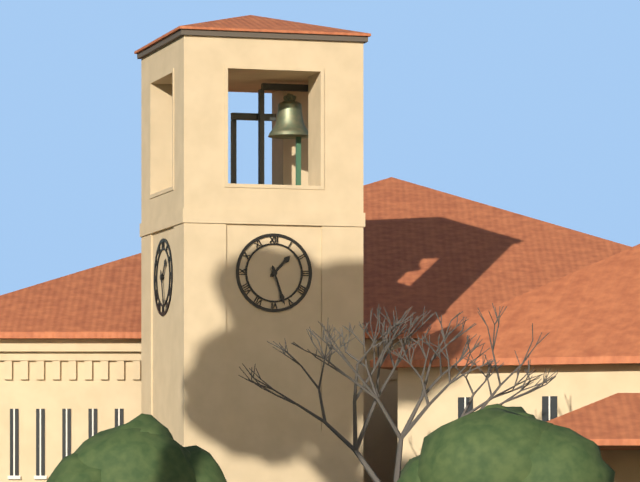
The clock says 1.27
